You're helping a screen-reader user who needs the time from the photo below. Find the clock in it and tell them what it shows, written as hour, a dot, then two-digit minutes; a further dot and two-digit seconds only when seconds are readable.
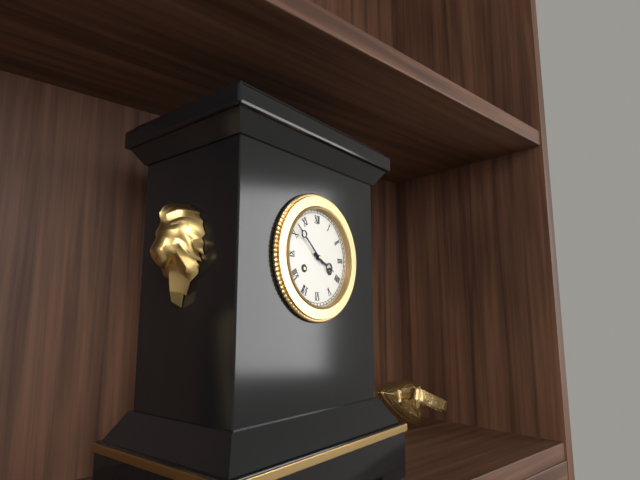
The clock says 3.52
